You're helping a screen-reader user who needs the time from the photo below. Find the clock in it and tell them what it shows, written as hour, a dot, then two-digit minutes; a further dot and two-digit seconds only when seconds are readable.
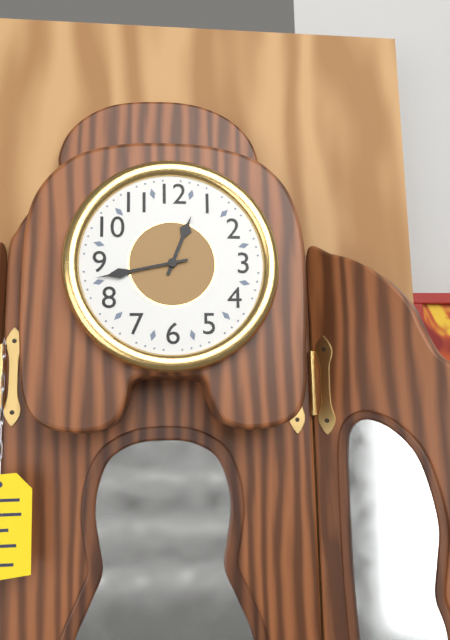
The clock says 12.43
